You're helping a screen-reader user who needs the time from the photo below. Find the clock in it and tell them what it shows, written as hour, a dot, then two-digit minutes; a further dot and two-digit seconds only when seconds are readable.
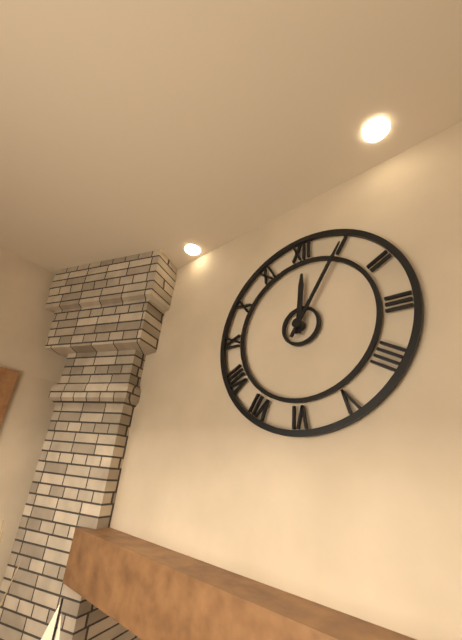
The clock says 12.05
